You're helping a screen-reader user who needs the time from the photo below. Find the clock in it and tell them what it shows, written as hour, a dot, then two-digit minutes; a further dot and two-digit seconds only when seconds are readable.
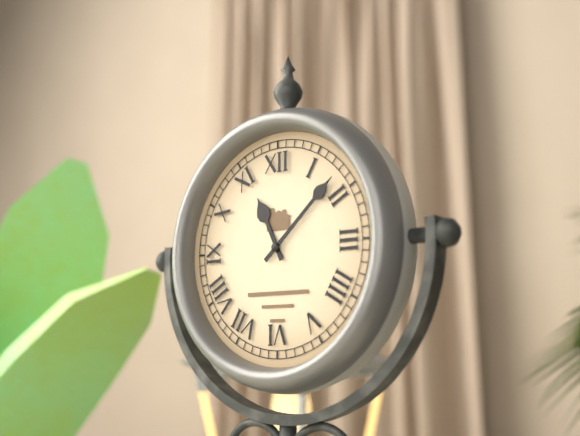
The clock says 11.08
